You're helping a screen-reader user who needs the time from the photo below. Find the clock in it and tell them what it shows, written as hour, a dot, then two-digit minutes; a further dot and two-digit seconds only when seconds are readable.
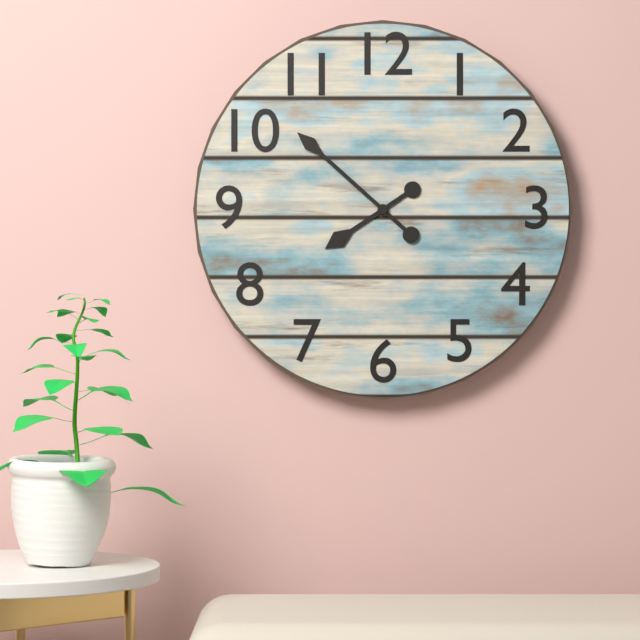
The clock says 7.52
